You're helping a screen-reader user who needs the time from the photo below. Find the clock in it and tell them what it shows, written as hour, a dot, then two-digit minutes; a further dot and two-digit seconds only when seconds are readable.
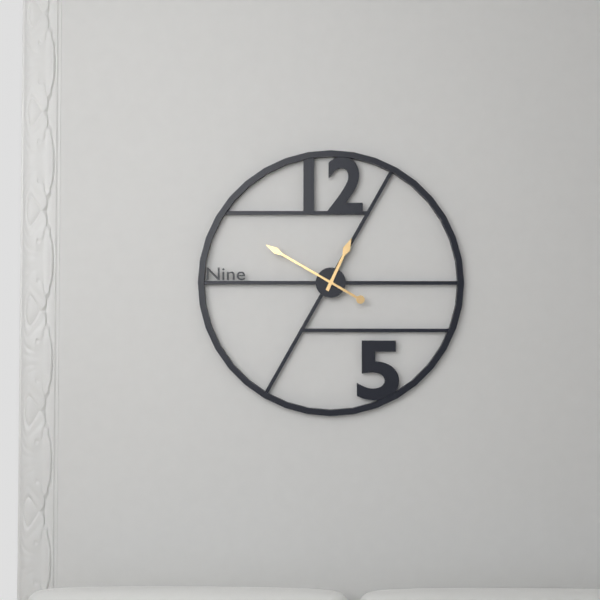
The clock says 12.50
